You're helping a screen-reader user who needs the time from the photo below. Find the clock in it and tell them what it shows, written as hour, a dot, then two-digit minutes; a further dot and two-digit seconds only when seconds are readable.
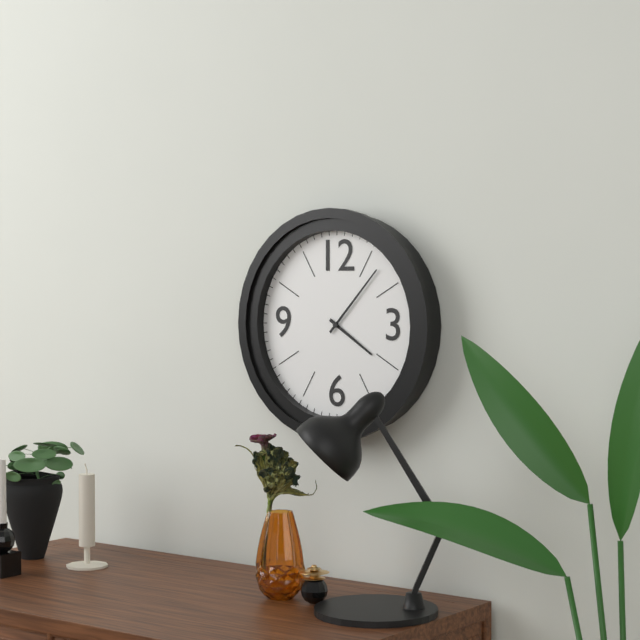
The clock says 4.07
